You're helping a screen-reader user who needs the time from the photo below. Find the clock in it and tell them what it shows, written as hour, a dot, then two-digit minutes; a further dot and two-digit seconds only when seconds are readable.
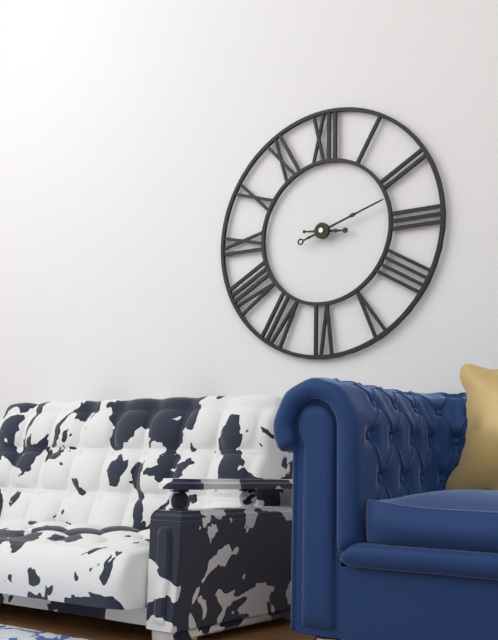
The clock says 3.12
